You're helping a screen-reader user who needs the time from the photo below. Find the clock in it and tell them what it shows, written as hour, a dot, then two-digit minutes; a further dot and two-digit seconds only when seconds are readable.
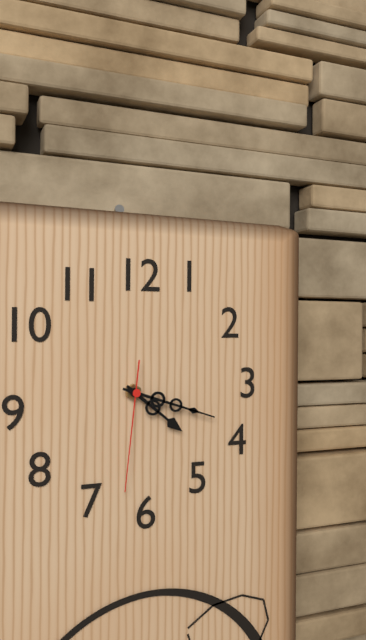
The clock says 4.18.31
